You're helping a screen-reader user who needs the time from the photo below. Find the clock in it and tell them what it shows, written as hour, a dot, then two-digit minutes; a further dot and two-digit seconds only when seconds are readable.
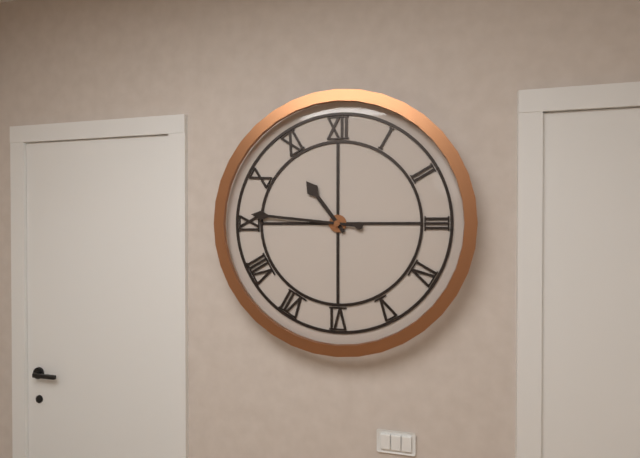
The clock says 10.46
